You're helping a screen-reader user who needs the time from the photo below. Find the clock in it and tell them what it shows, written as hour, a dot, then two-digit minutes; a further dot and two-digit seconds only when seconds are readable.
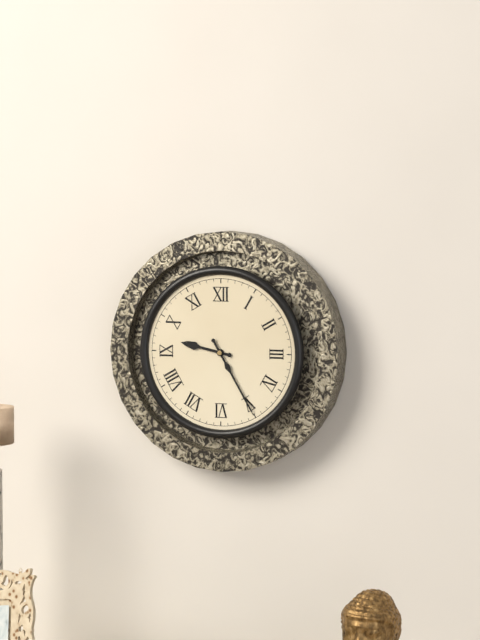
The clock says 9.25
